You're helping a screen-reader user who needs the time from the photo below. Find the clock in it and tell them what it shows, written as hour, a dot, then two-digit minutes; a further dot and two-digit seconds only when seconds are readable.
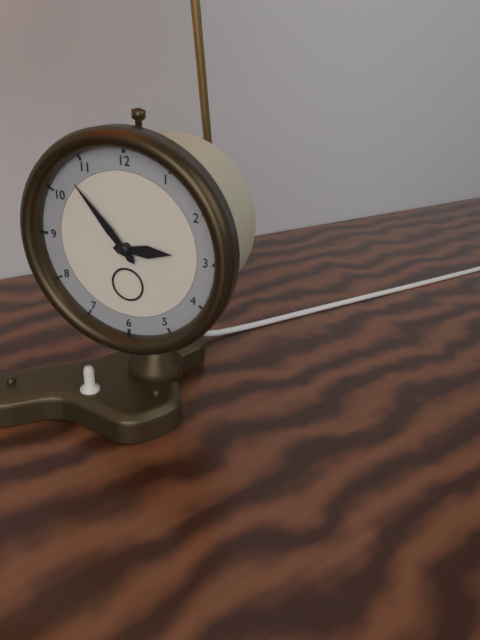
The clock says 2.53
